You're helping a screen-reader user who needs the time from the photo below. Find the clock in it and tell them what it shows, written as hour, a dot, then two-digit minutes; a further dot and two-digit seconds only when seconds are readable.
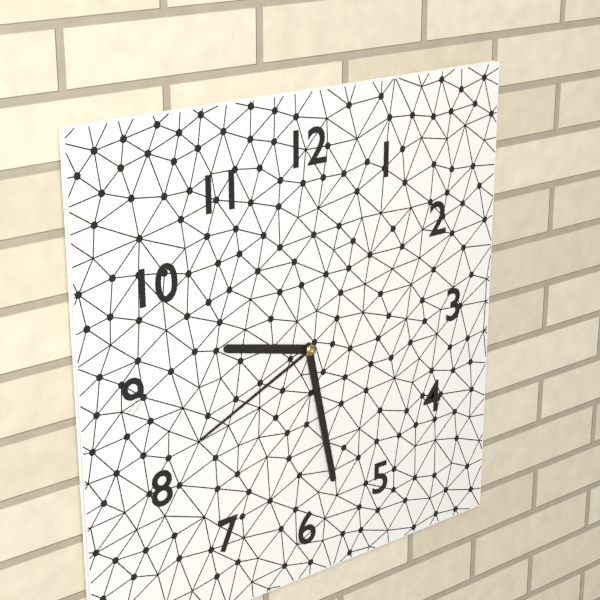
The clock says 9.28.41
